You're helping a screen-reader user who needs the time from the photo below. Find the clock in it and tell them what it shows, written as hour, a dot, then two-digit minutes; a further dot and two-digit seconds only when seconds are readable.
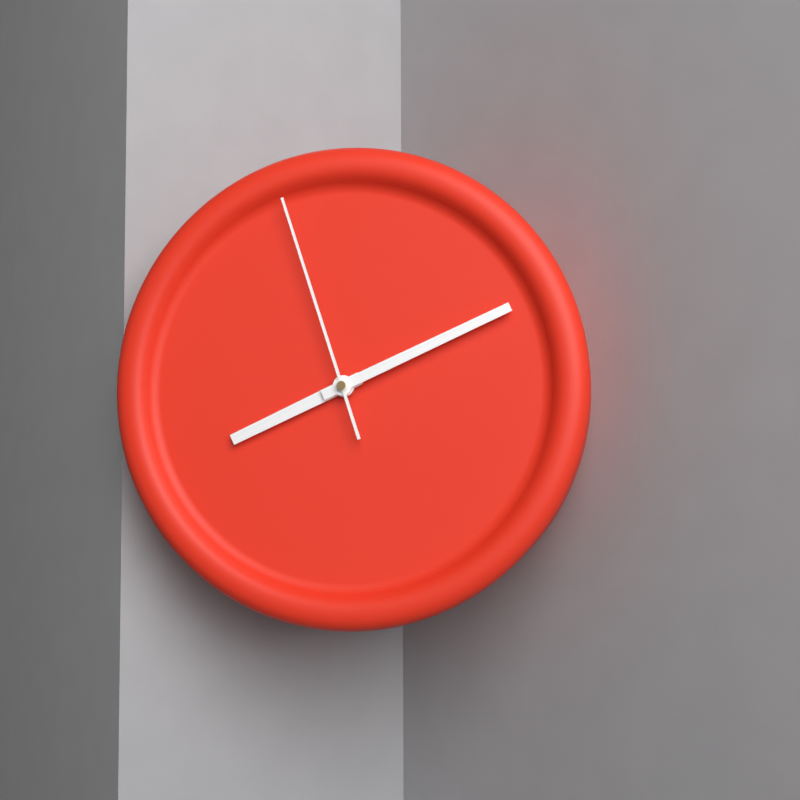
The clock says 8.11.57
